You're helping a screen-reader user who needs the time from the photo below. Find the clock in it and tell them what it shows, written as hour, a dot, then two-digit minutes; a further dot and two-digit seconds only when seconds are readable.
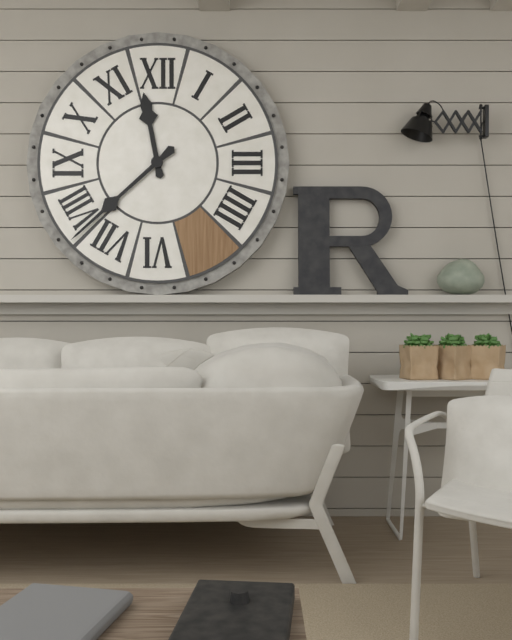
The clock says 11.38
